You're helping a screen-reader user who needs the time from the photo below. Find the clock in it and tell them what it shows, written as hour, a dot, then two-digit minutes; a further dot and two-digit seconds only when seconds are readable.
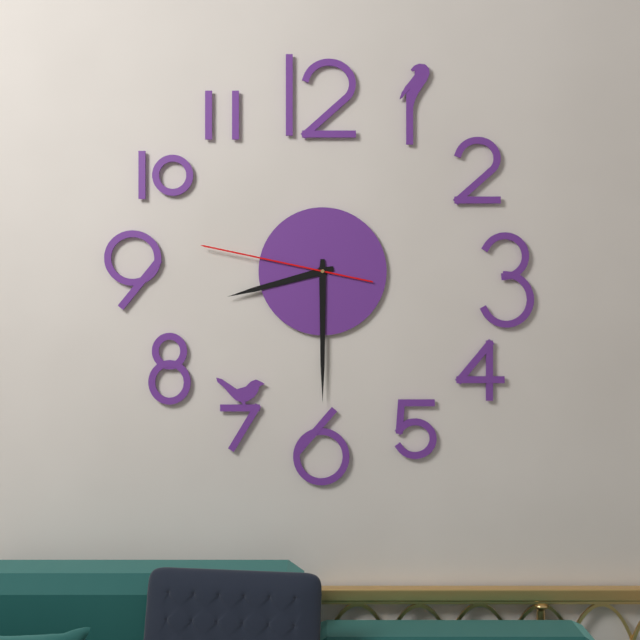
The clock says 8.30.47
